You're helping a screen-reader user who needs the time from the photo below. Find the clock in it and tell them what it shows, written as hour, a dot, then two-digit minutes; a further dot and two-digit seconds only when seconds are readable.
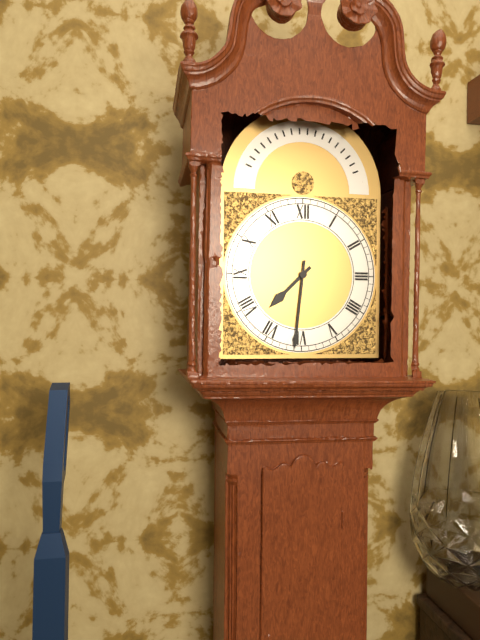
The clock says 7.31
